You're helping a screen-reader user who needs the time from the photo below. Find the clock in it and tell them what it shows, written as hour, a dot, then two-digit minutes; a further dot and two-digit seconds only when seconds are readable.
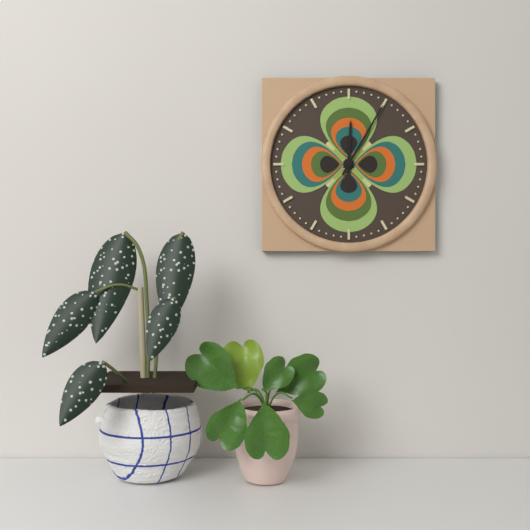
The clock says 12.05
